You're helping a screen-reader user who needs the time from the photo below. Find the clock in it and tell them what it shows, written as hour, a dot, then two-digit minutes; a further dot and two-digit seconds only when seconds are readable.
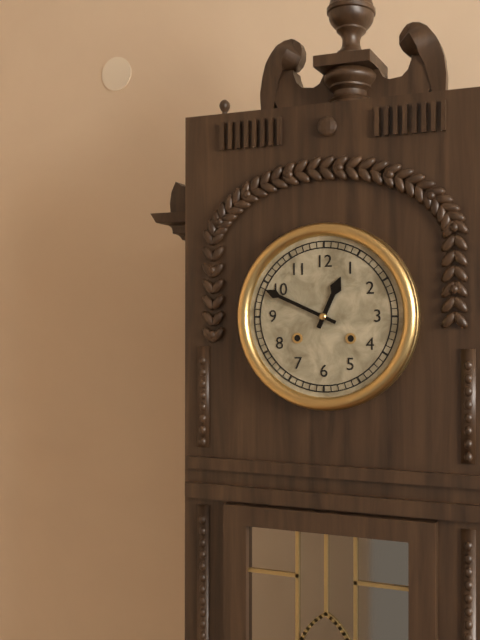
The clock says 12.49
